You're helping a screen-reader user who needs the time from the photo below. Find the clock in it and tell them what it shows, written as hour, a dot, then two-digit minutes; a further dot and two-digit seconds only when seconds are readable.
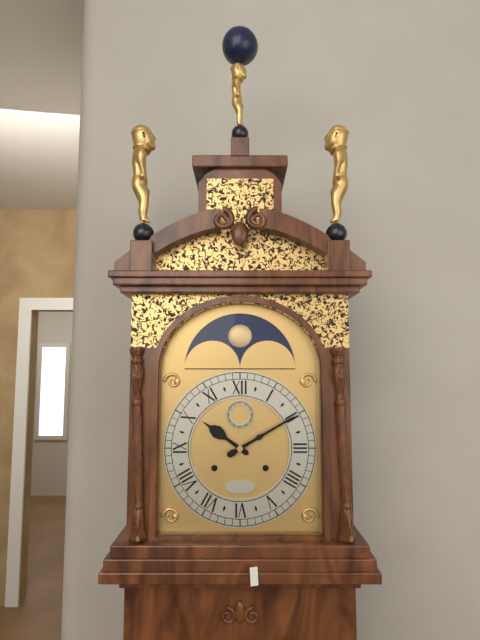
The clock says 10.10
